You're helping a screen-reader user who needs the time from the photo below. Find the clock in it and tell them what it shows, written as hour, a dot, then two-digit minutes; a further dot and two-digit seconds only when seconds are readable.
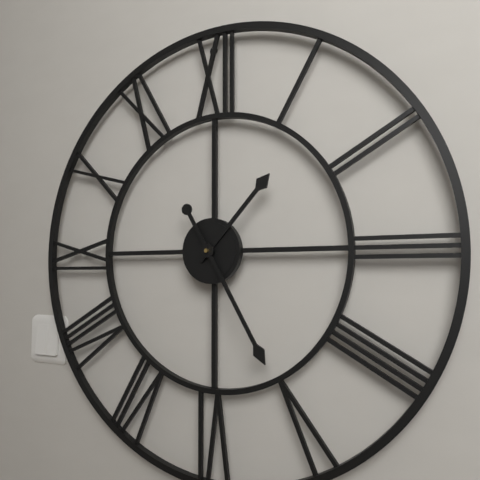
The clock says 1.25
